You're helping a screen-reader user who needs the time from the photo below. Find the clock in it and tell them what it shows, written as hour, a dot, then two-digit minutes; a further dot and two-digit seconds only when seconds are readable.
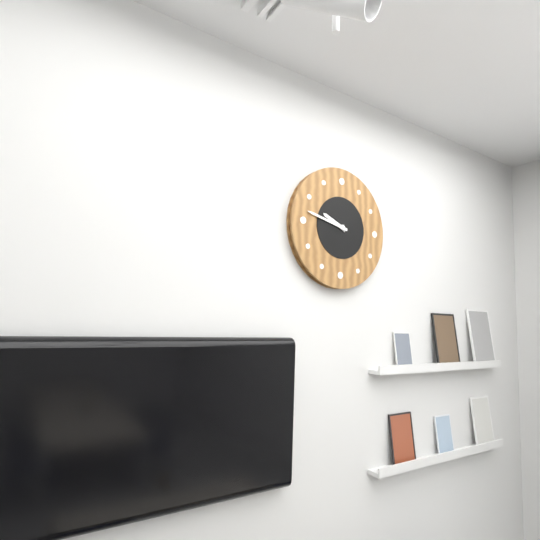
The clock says 9.47
